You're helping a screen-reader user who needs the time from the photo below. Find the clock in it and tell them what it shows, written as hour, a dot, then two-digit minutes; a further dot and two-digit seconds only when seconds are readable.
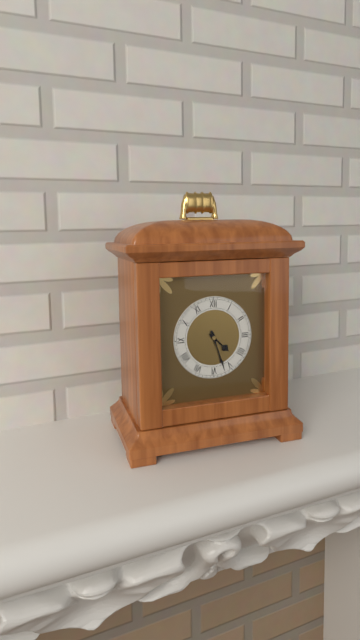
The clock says 4.27
